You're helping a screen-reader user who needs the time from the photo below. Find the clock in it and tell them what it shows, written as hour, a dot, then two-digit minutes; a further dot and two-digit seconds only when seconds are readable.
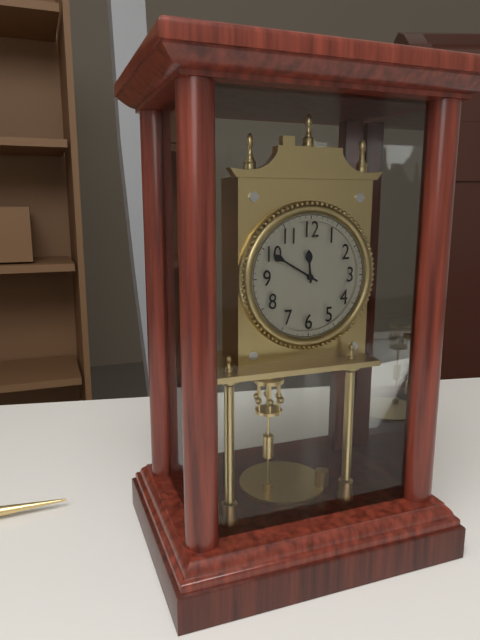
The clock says 11.50
